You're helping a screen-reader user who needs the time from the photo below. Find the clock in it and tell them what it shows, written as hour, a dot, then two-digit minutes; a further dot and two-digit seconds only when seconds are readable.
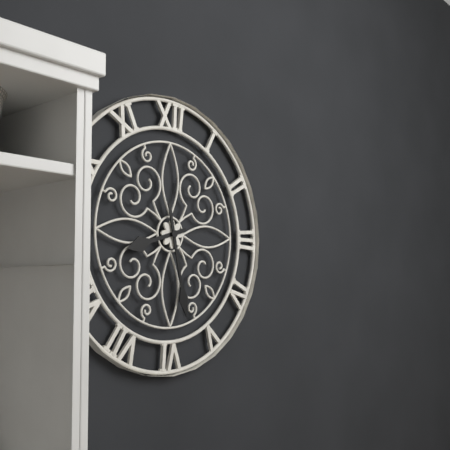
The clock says 8.28
